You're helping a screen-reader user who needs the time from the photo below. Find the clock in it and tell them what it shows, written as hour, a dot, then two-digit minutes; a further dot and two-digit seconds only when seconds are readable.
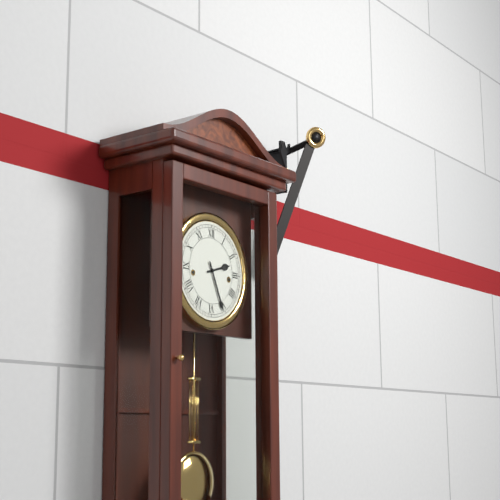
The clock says 2.26
